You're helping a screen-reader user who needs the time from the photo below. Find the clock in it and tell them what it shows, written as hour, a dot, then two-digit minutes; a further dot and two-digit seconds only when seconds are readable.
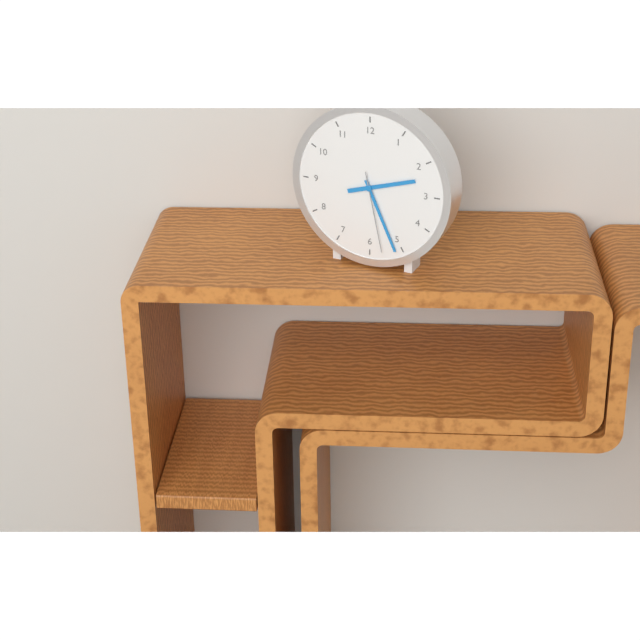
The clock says 2.26.28
